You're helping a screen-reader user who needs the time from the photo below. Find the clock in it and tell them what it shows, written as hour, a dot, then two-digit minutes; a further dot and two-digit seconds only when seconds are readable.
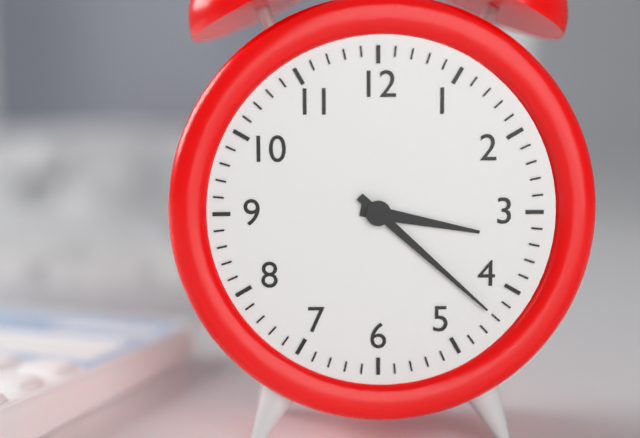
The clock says 3.22
